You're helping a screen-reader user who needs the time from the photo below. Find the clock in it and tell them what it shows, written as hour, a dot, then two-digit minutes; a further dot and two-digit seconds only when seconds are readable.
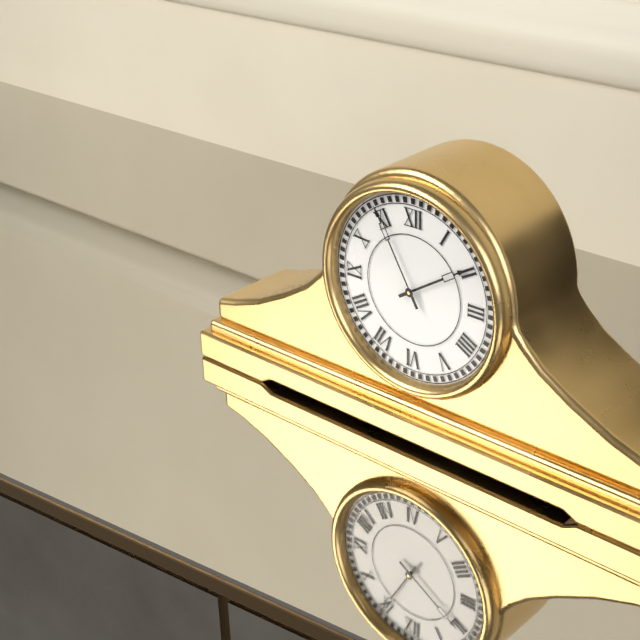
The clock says 1.55
